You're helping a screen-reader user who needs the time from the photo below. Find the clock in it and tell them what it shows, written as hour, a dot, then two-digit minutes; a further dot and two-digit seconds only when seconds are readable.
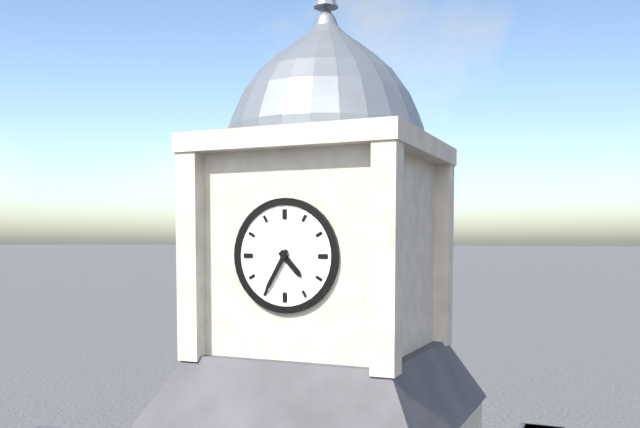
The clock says 4.35
